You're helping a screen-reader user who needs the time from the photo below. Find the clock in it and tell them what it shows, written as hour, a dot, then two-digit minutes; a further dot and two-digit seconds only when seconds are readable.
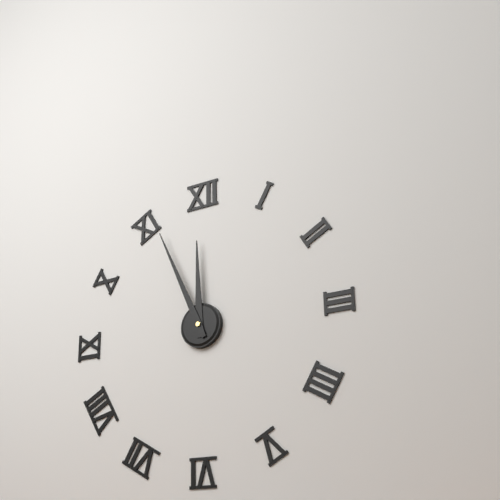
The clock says 11.56
